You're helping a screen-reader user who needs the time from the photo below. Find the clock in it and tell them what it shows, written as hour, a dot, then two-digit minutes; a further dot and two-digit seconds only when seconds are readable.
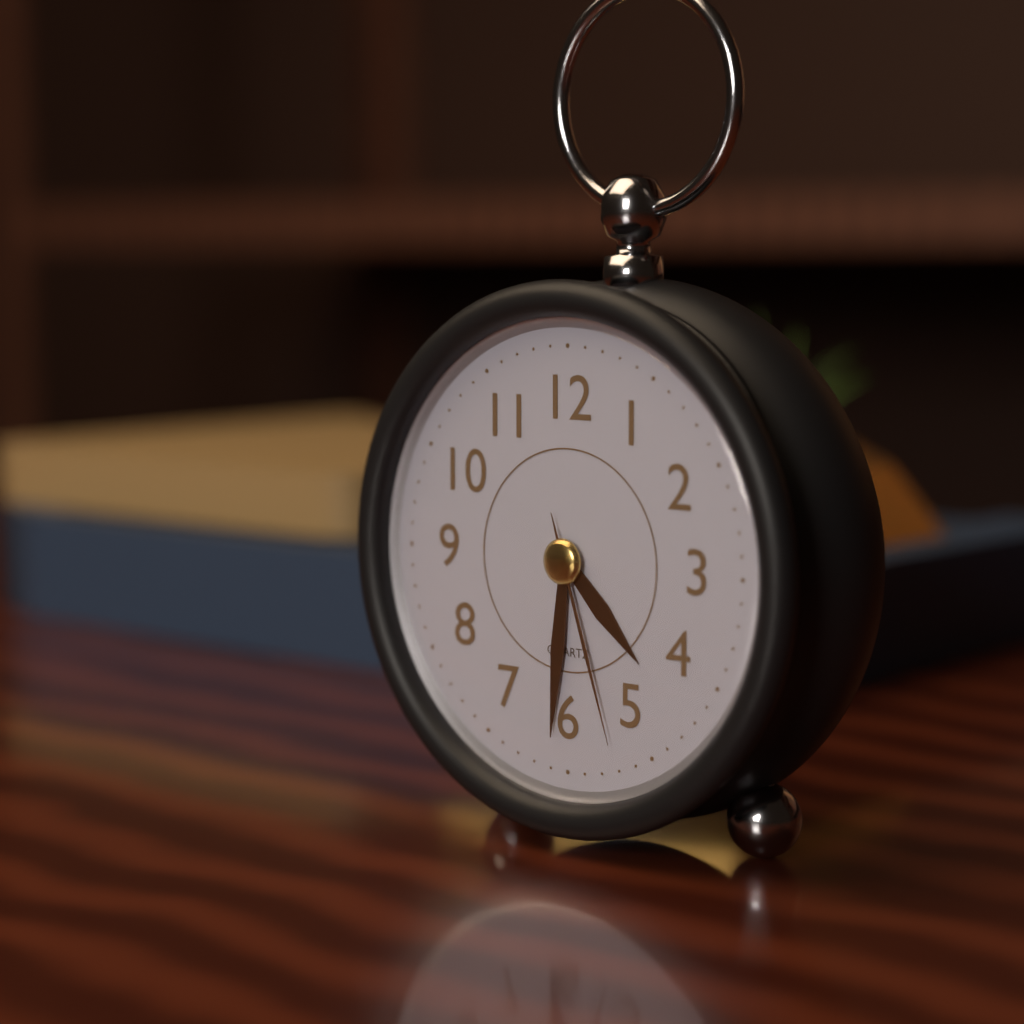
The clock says 4.31.27
